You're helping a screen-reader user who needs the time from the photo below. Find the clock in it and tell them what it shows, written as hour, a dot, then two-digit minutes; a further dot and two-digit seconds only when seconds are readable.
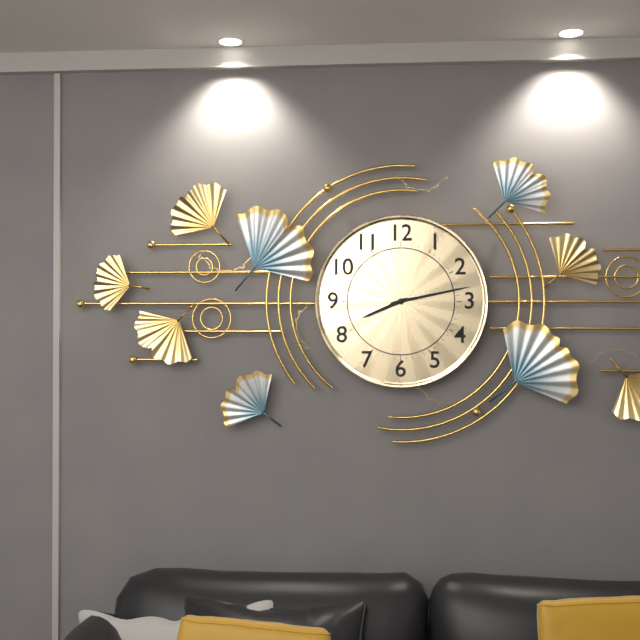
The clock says 8.13
